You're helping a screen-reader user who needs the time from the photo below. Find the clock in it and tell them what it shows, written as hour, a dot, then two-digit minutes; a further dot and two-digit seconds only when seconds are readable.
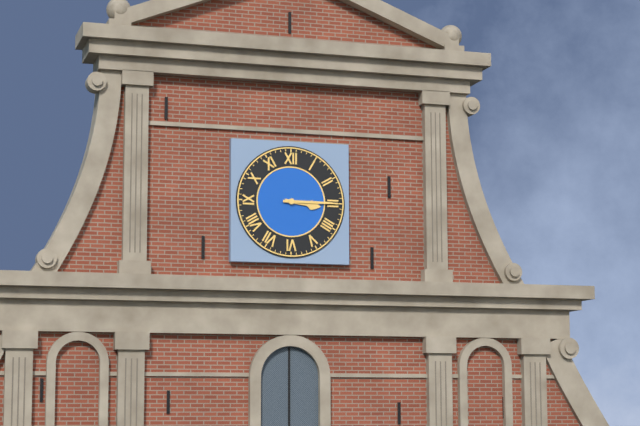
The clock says 3.15
